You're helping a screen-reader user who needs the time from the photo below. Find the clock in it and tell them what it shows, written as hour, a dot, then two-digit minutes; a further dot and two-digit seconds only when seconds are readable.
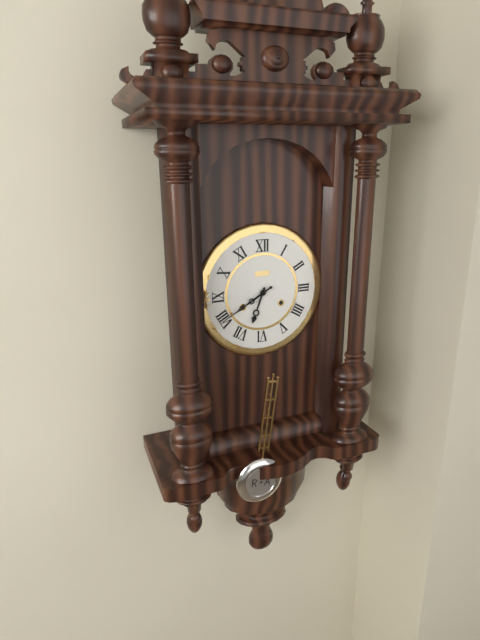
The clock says 6.40
